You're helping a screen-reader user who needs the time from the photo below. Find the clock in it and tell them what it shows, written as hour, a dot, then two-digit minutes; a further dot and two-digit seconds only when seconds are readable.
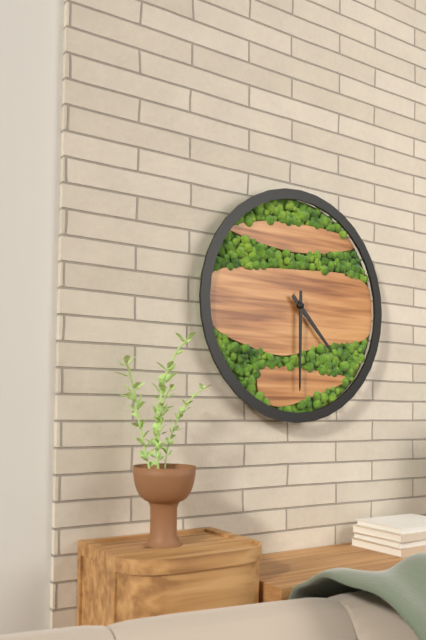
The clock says 4.30
